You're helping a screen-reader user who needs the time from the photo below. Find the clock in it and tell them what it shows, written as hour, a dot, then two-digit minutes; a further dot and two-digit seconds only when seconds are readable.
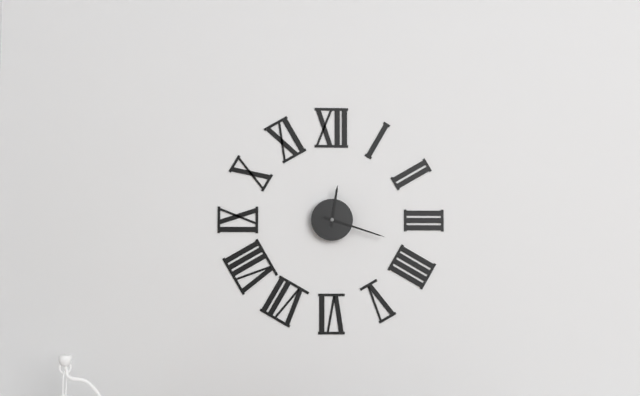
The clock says 12.18
